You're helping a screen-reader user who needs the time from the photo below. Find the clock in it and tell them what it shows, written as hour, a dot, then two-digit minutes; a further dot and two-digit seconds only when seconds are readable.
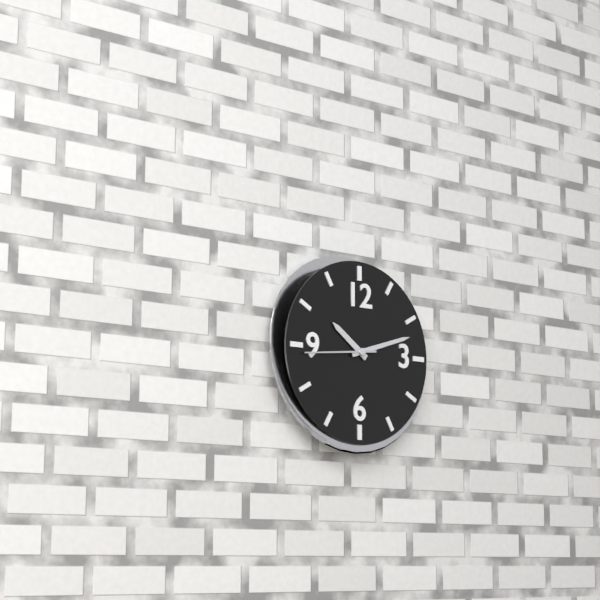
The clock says 10.12.44
